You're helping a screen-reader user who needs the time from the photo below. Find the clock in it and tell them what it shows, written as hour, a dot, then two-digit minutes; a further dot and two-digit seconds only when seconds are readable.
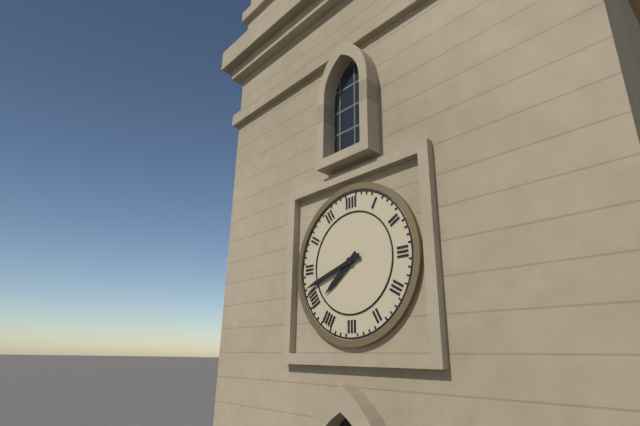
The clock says 7.42
